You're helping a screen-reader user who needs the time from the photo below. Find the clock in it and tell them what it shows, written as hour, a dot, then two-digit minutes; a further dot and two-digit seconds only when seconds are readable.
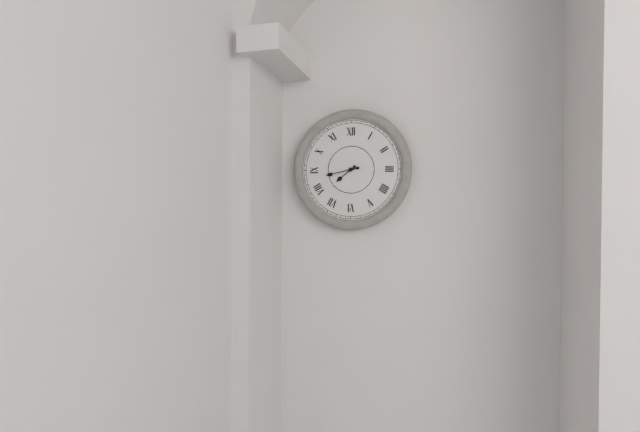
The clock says 7.43
